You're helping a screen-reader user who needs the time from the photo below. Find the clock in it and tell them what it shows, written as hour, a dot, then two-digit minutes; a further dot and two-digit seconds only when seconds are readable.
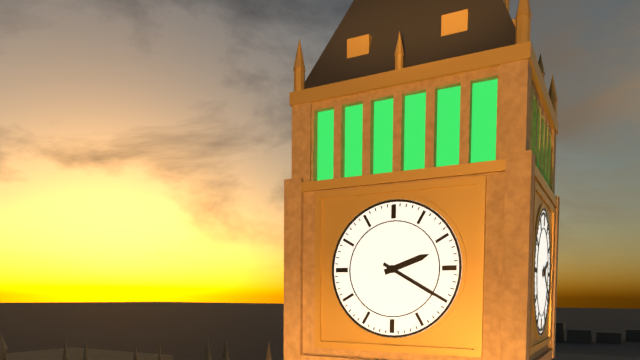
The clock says 2.20
